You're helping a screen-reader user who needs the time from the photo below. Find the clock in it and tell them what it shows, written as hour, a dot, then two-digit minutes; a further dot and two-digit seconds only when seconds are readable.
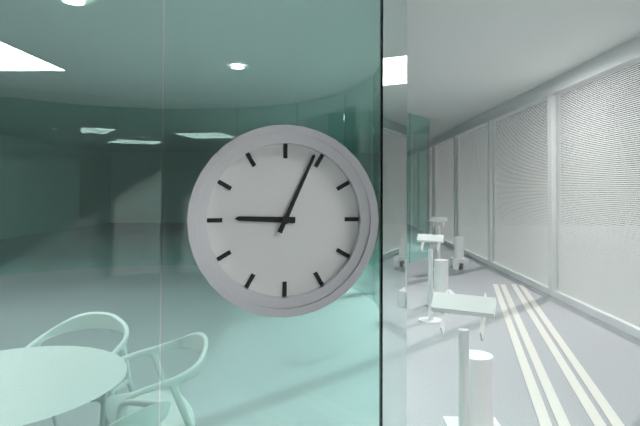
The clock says 9.04
